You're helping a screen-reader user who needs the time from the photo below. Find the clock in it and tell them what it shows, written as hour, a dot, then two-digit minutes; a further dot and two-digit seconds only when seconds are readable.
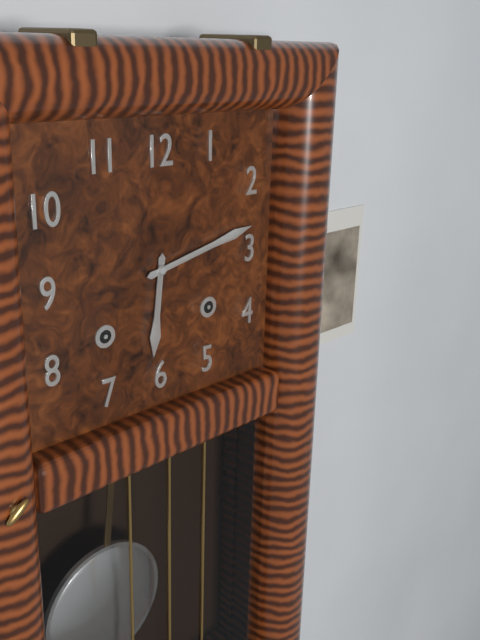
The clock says 6.13
